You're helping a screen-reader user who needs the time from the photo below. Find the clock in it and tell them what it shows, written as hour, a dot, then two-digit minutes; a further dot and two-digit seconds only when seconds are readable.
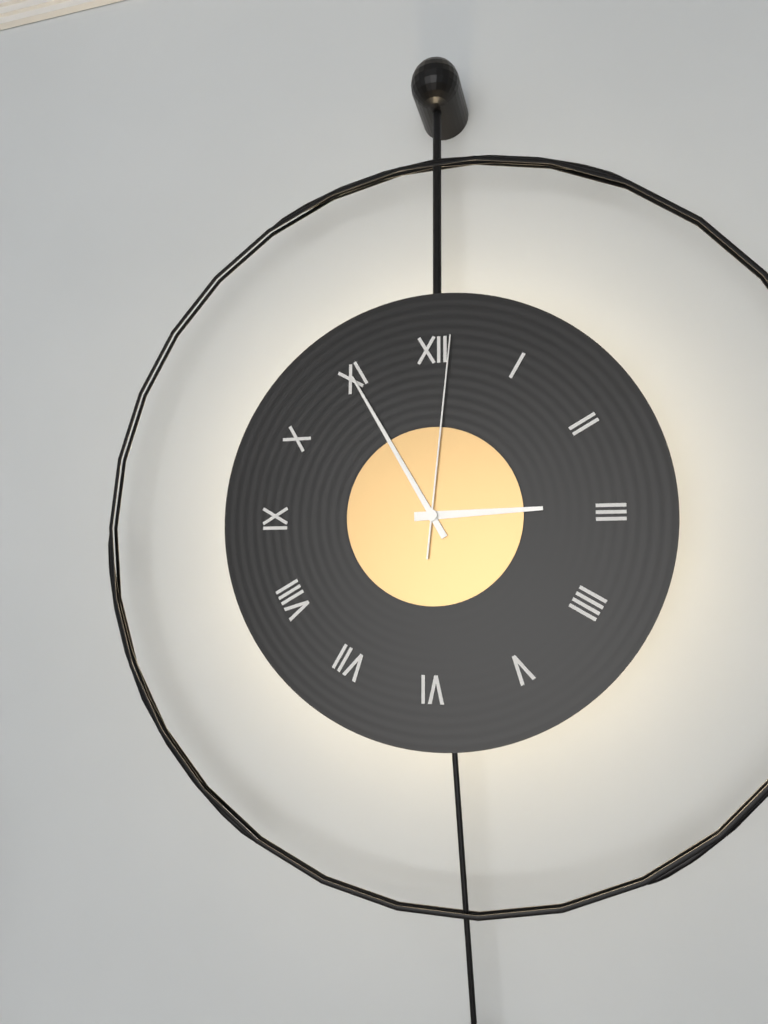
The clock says 2.55.01
